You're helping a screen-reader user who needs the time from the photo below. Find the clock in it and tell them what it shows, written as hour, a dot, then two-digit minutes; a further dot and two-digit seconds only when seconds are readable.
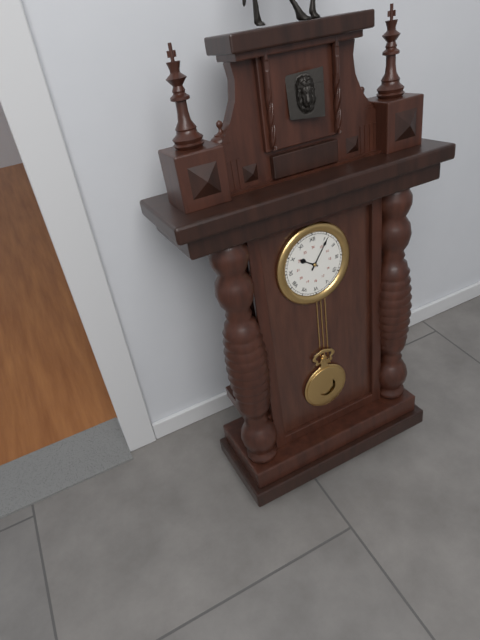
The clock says 10.06
